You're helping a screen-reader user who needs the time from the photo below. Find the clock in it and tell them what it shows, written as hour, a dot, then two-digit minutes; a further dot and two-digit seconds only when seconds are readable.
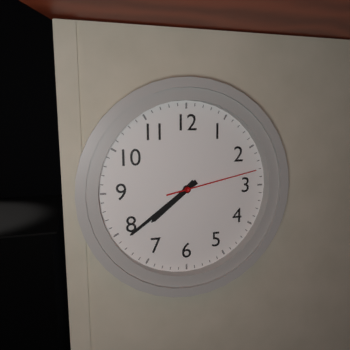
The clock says 7.39.13
